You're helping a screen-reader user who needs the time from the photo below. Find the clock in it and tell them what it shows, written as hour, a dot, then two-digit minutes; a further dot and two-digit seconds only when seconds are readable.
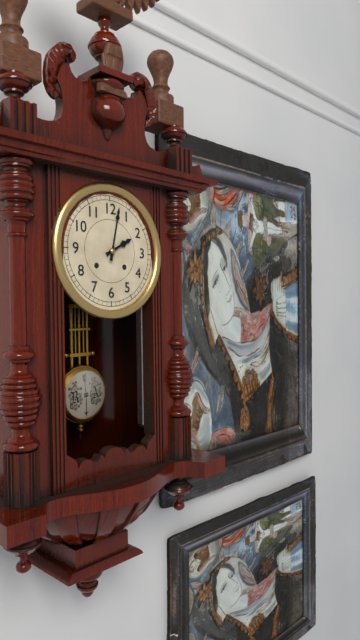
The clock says 2.02
